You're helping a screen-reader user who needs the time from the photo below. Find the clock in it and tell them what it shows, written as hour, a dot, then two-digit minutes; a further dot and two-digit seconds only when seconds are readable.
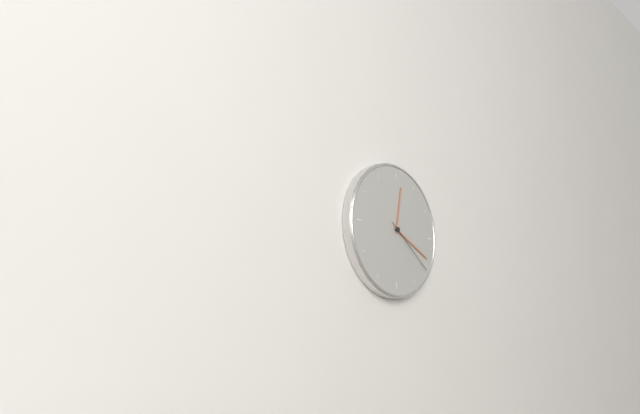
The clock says 12.19.21
